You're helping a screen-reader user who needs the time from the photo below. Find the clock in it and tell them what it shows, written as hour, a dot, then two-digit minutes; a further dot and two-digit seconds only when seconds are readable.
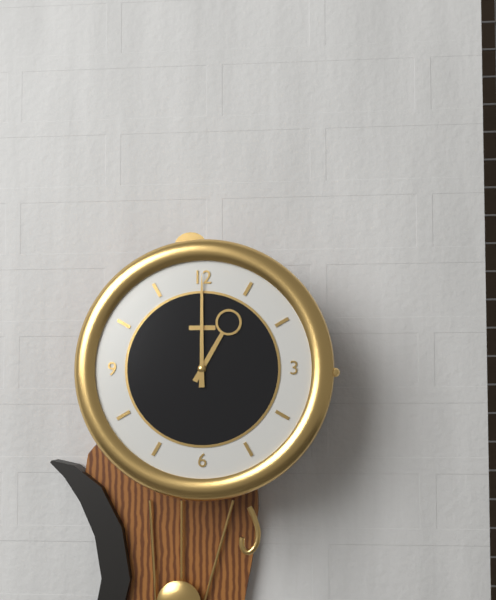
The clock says 1.00
